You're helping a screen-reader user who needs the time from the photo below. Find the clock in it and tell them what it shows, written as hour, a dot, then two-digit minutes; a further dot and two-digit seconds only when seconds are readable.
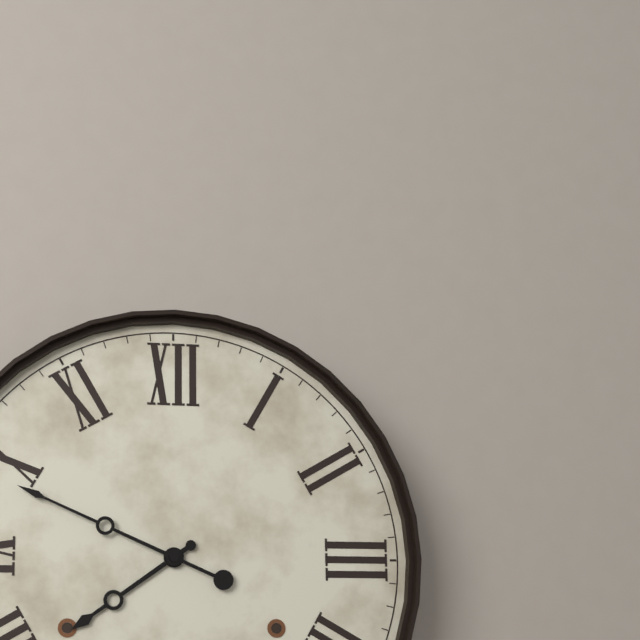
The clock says 7.49
